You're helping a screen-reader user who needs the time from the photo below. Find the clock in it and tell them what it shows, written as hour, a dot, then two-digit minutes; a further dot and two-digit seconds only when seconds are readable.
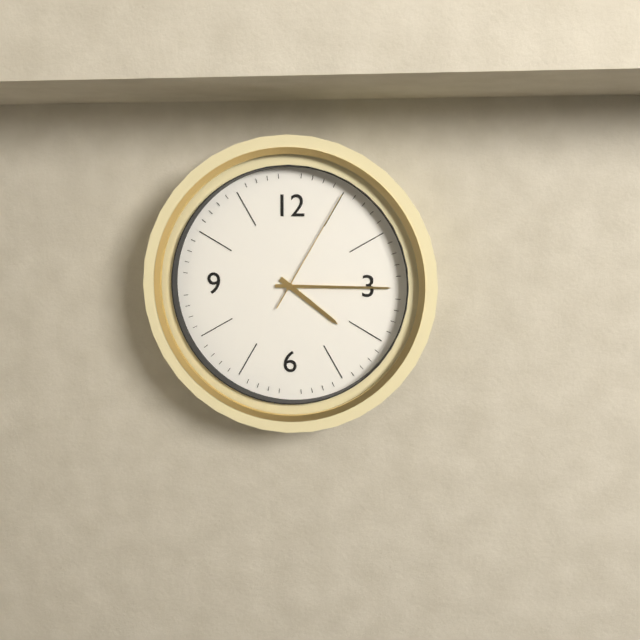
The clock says 4.15.05
